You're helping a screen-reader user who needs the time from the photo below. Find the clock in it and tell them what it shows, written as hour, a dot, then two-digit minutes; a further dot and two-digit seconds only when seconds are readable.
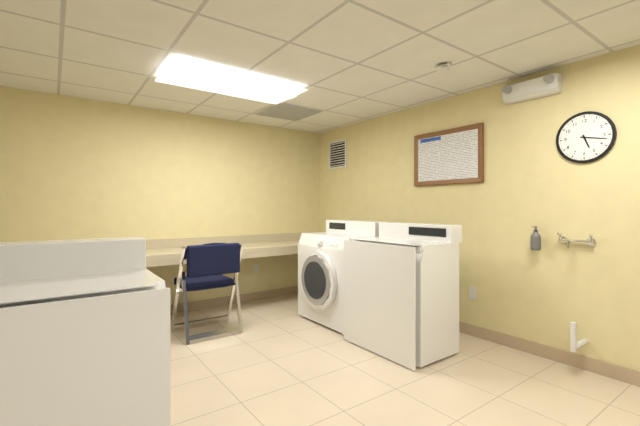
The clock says 5.17
